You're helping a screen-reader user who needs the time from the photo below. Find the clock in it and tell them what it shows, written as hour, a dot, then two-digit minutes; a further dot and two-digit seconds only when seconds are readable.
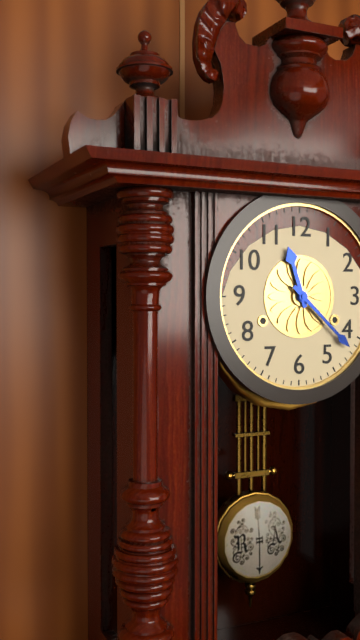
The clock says 11.22
